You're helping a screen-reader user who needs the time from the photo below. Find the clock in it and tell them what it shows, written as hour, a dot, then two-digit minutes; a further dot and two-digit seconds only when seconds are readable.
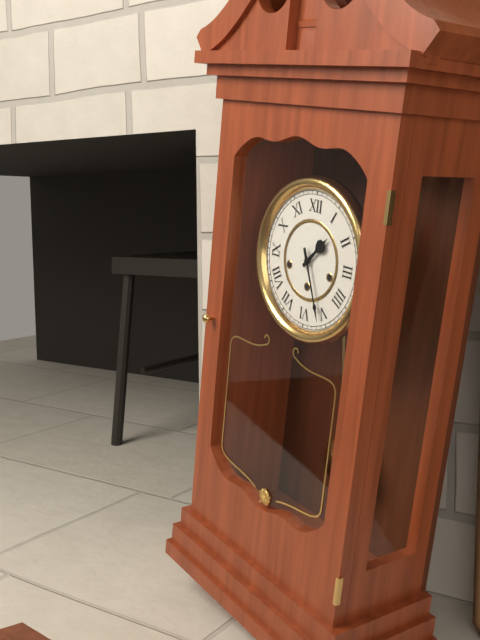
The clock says 1.26
